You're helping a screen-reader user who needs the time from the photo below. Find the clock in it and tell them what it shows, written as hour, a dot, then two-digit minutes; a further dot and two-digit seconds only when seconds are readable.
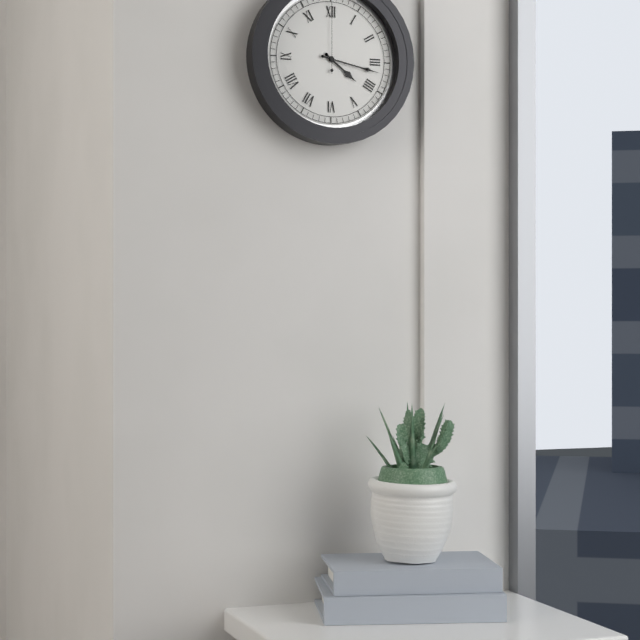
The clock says 4.17.00
